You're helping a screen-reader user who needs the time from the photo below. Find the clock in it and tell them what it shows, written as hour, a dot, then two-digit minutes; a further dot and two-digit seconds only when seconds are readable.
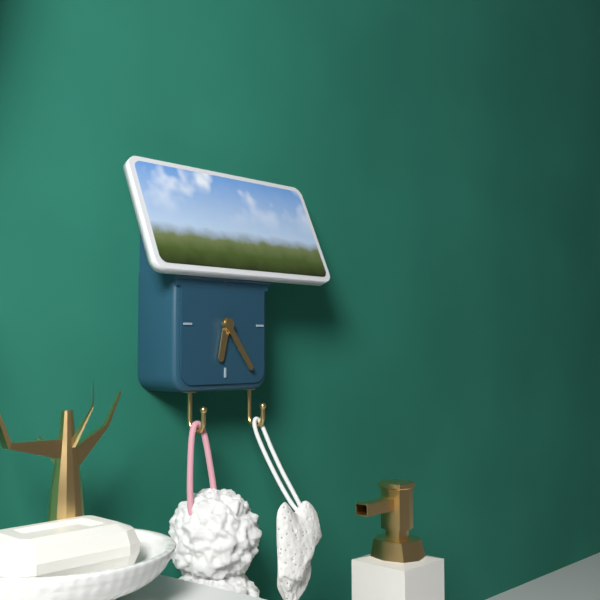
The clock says 6.24
